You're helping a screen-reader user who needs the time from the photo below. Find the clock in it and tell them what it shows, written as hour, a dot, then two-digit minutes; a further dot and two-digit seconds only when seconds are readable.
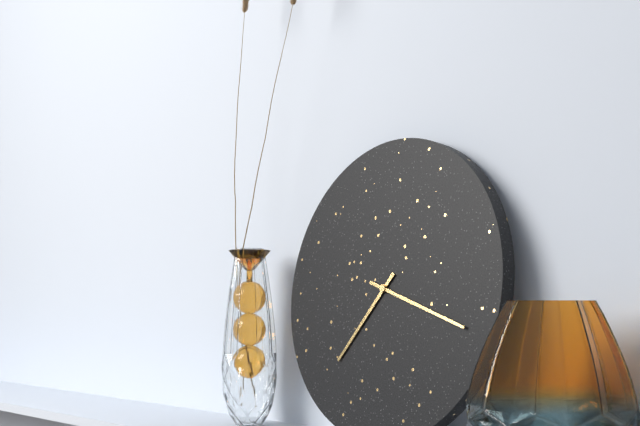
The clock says 7.18
